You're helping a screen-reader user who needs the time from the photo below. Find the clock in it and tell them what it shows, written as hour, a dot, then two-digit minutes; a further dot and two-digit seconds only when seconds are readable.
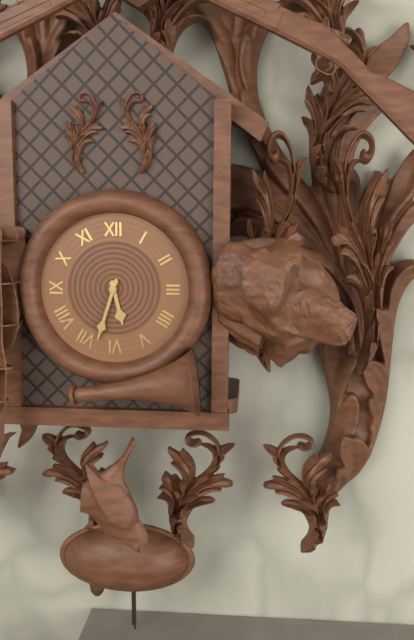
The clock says 5.33
